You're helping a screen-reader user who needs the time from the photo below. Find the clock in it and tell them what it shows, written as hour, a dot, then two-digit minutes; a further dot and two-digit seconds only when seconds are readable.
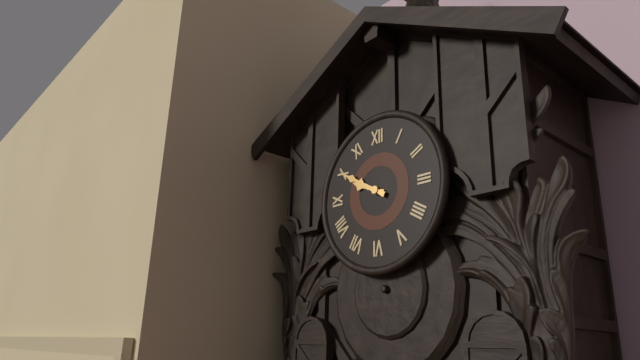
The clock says 9.50
